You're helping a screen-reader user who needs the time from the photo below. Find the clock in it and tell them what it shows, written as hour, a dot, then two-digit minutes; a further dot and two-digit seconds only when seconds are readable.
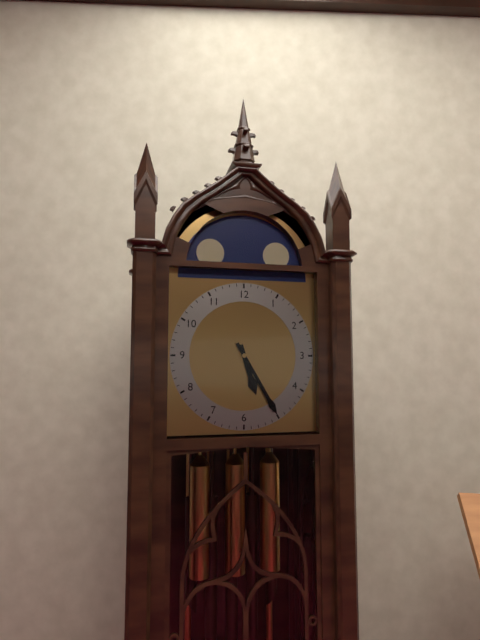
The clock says 5.25
